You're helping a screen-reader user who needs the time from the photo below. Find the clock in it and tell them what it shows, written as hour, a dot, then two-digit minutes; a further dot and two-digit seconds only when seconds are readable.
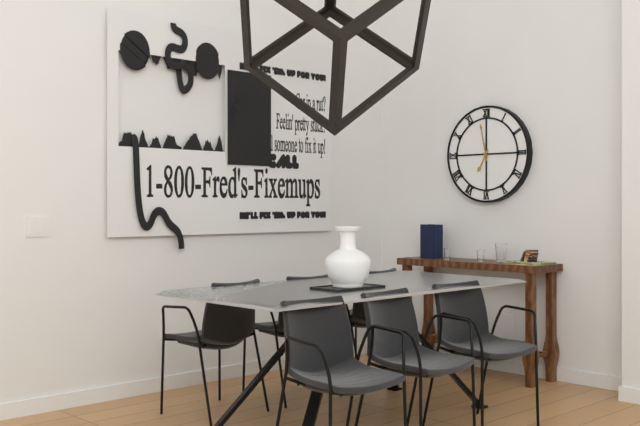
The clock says 6.58
